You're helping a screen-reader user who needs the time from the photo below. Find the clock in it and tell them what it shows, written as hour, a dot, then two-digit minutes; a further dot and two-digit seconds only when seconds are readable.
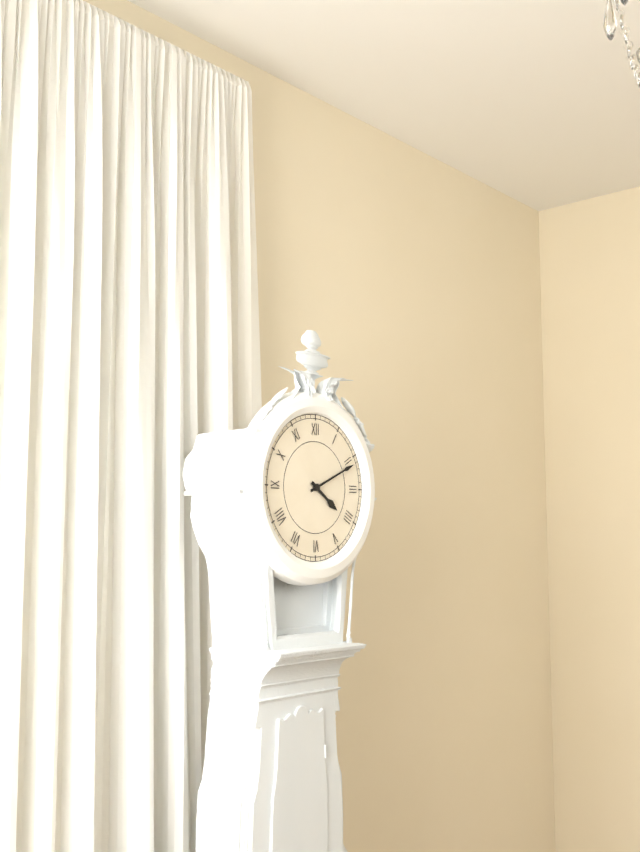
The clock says 4.11
